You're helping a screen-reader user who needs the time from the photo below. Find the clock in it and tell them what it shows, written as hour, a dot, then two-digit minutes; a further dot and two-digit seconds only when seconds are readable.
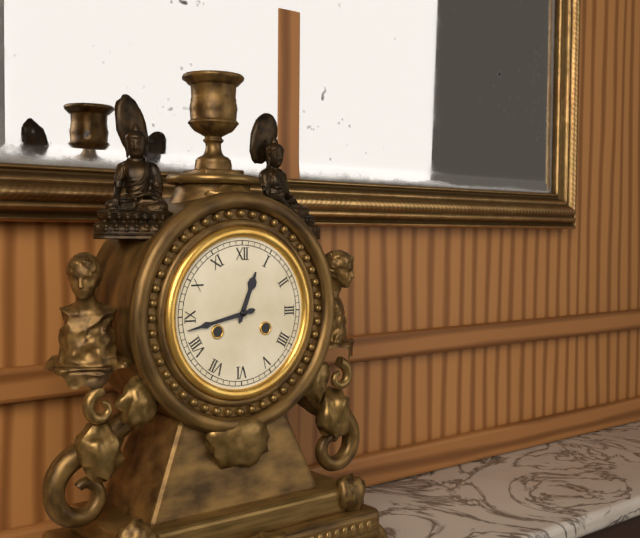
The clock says 12.43
